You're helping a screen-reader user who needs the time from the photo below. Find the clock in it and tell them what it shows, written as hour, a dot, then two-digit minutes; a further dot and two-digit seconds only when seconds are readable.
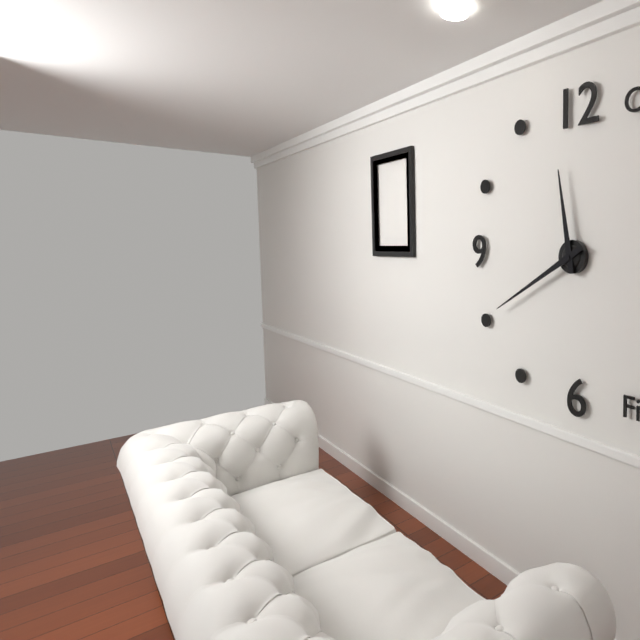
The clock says 11.40
